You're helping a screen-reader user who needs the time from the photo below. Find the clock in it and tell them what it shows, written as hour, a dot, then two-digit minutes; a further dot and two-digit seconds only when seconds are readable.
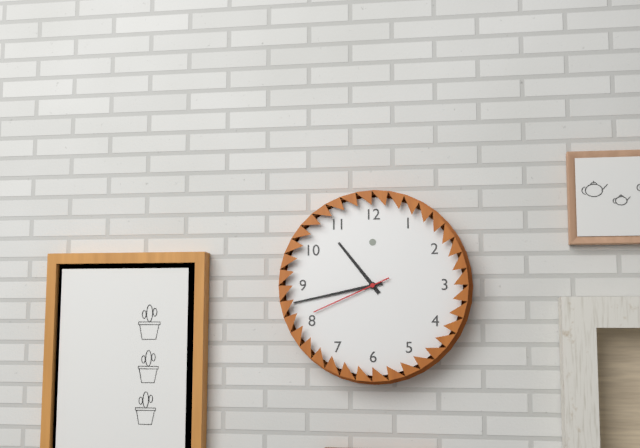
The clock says 10.43.41
